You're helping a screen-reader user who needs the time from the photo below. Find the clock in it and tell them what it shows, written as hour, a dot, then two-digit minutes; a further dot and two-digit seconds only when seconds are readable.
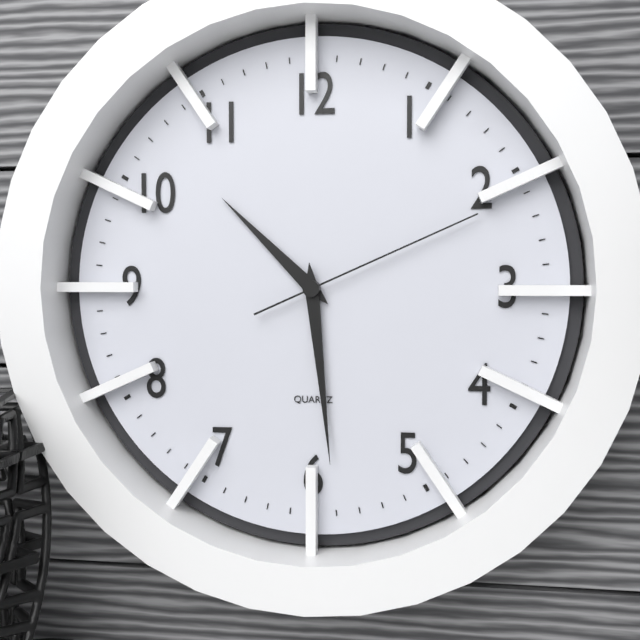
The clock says 10.29.11
